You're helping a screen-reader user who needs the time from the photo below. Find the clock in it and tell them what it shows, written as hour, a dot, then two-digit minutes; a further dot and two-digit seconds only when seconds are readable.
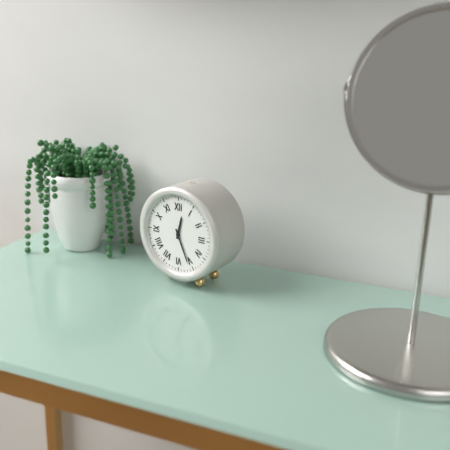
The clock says 12.26
